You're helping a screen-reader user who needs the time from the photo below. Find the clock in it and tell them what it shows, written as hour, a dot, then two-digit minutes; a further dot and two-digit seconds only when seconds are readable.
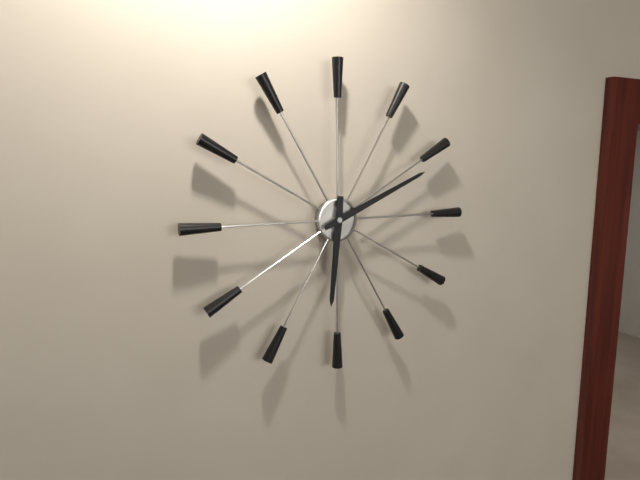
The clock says 6.11
